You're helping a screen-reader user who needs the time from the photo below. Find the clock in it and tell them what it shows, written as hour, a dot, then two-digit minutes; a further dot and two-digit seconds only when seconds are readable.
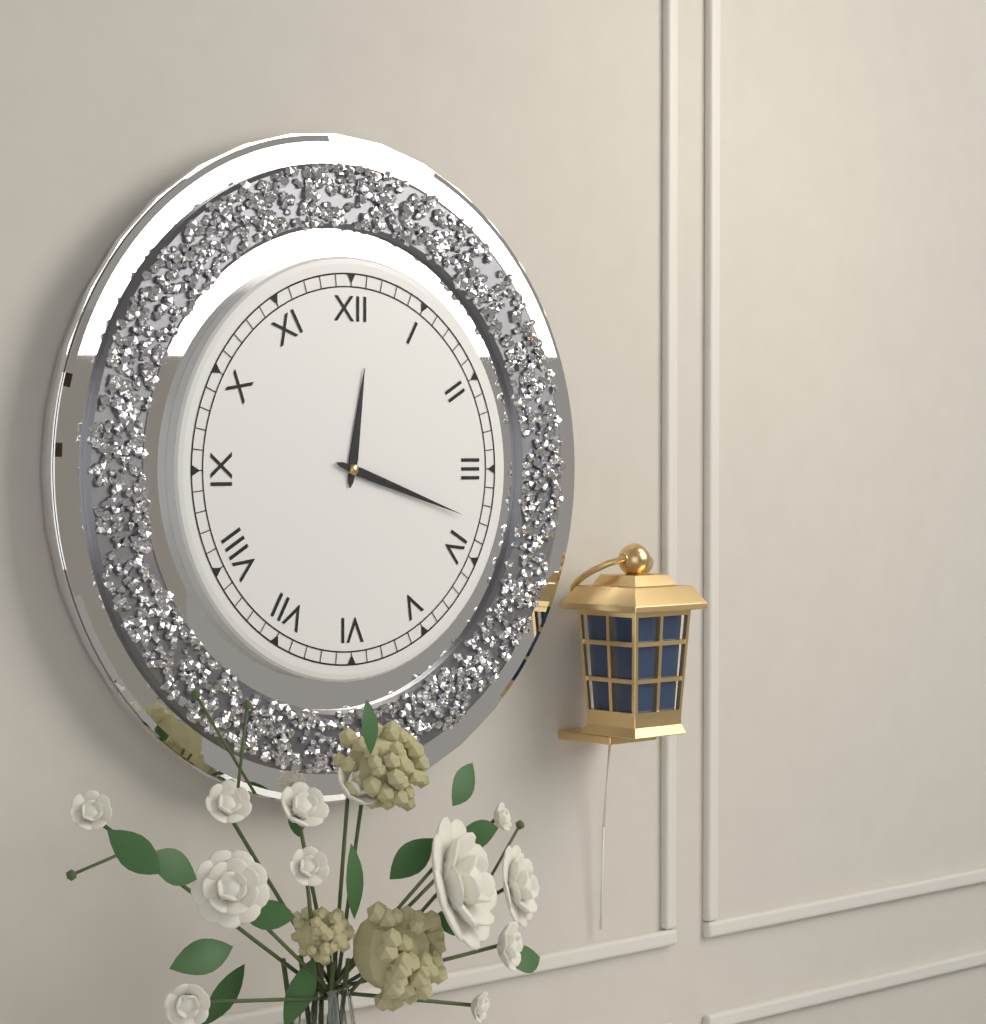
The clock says 12.18
